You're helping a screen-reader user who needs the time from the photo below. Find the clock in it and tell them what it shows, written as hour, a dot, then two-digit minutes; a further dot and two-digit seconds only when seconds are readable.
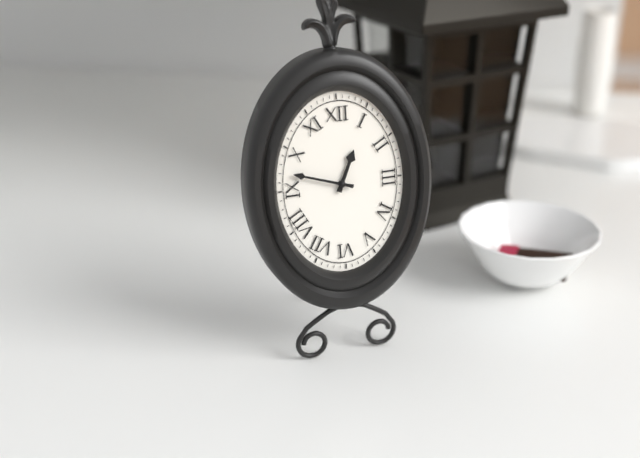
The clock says 12.48
